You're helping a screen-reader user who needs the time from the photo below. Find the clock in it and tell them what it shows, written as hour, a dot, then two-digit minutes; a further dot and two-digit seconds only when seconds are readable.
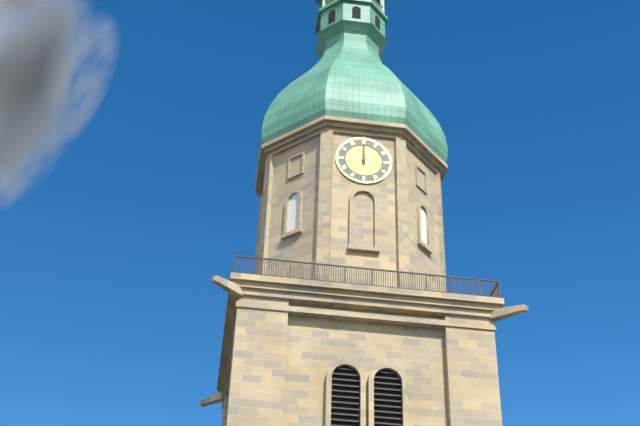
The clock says 12.00
